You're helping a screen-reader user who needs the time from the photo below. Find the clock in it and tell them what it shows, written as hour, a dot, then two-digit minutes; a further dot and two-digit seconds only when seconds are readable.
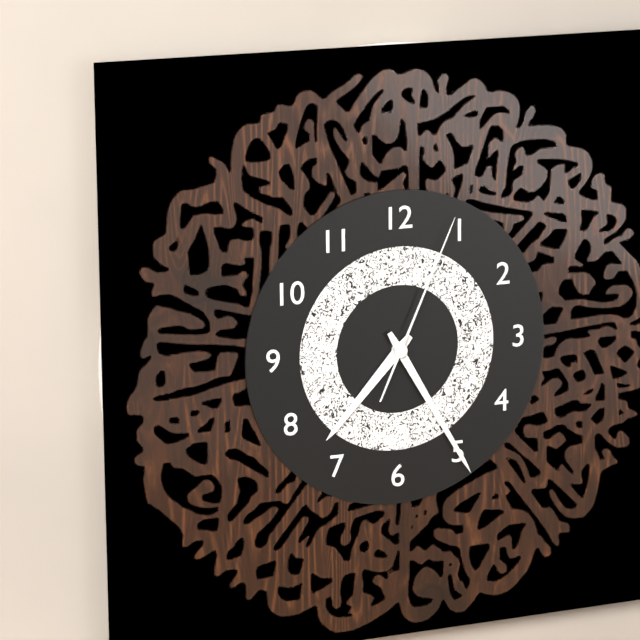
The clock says 7.25.04
